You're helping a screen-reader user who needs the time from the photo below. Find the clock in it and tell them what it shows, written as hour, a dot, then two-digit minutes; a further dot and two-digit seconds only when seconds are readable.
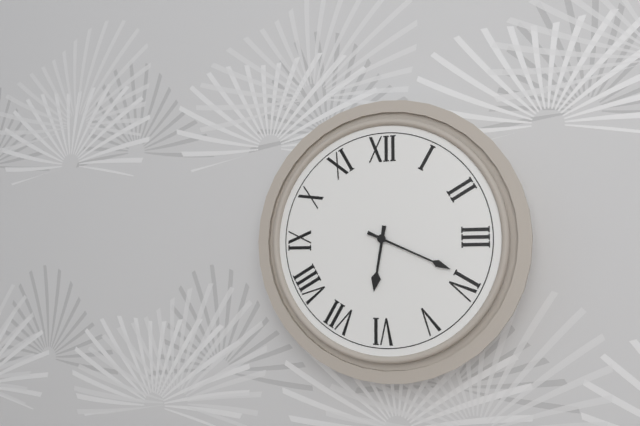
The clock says 6.19
